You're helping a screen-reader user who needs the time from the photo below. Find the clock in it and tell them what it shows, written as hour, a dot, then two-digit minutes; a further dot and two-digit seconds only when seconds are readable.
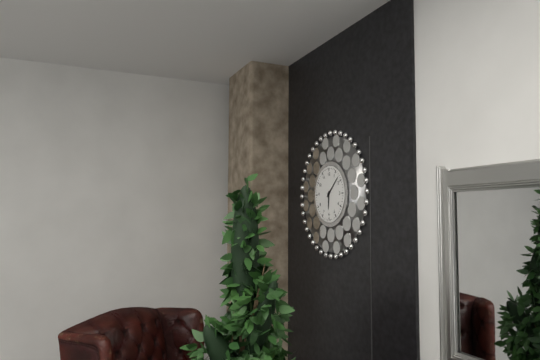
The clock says 6.08
